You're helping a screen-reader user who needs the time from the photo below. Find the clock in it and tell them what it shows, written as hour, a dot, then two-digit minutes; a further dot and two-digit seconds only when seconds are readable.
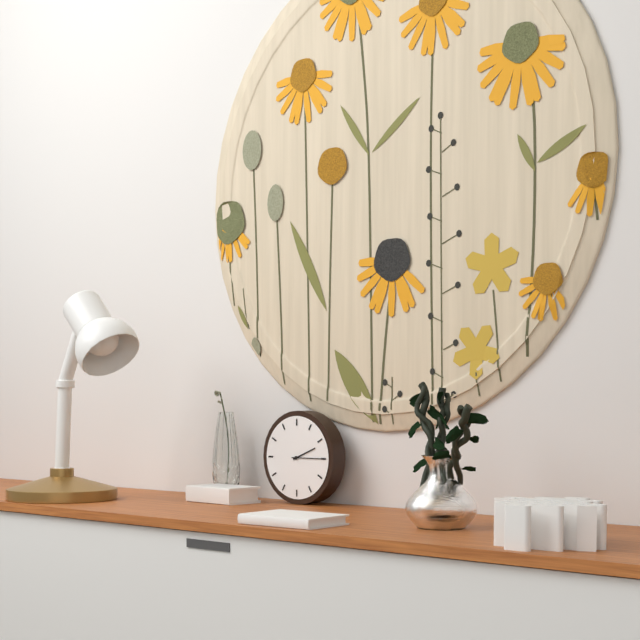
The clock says 2.15
